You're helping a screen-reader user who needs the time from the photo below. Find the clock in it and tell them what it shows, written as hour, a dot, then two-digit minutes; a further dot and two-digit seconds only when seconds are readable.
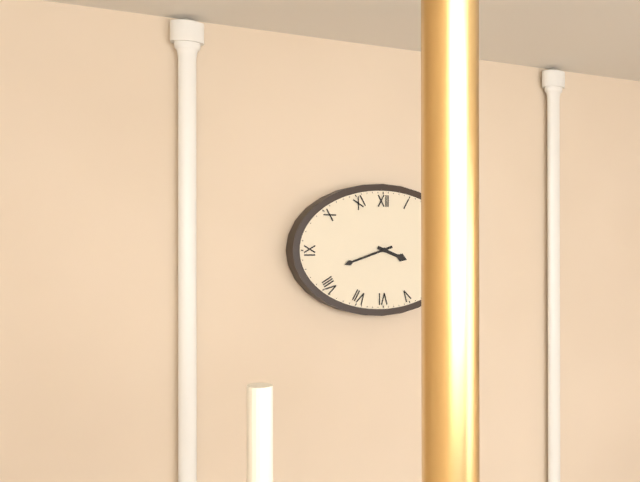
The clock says 3.42
